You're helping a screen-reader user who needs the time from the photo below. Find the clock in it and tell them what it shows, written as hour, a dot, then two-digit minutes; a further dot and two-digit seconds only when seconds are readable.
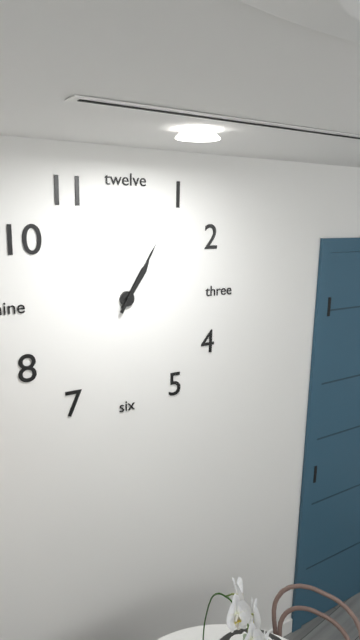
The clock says 1.05
